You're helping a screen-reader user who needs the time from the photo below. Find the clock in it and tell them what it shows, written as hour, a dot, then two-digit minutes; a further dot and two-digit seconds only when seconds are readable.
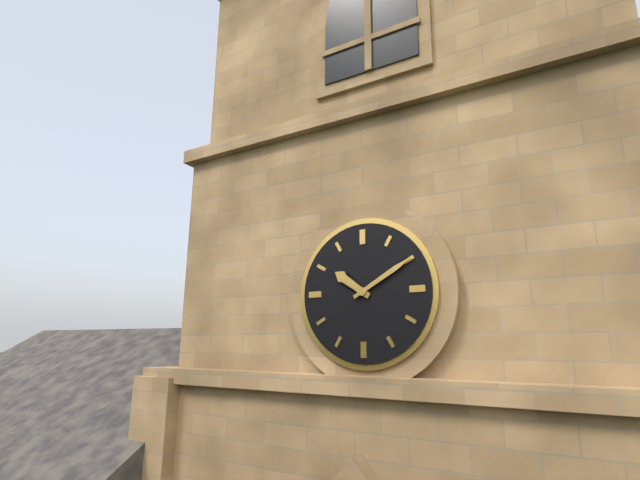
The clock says 10.10
